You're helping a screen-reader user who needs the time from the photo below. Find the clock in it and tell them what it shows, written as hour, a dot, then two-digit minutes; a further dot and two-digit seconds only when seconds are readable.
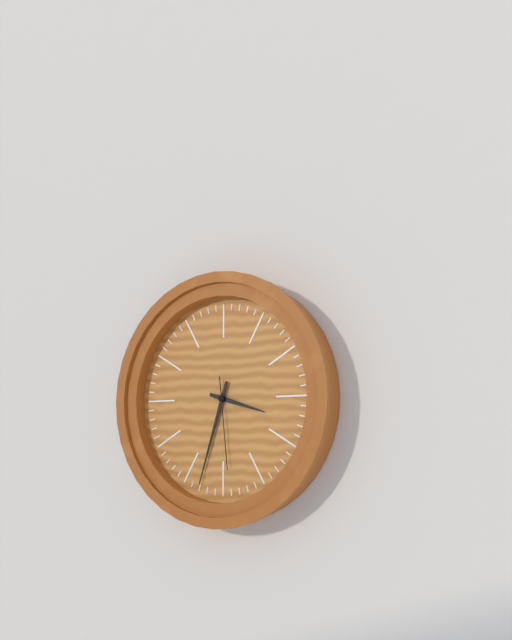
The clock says 3.33.29
